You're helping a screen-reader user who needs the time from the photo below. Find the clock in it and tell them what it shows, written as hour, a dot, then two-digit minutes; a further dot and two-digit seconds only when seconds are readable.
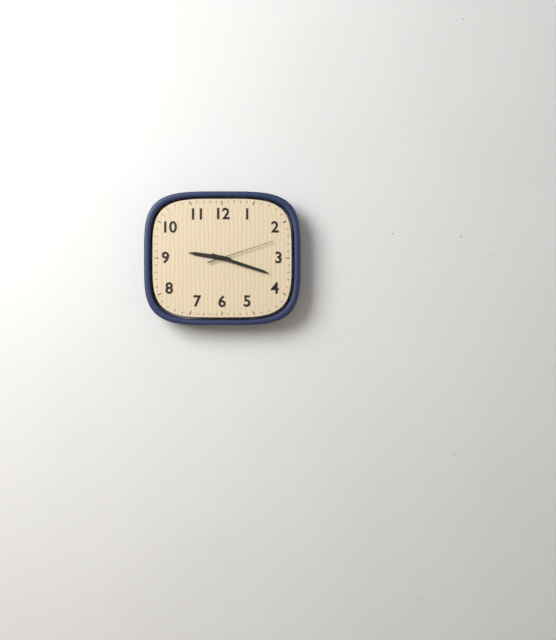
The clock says 9.18.12
